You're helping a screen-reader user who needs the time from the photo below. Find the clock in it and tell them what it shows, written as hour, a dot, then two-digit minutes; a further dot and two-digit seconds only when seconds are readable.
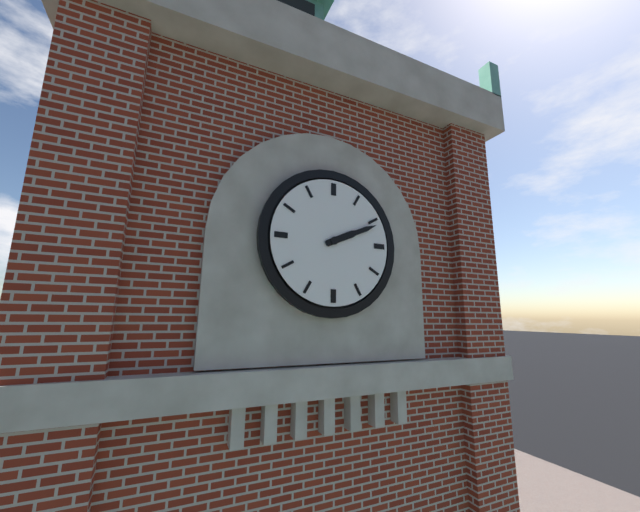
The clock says 2.11
